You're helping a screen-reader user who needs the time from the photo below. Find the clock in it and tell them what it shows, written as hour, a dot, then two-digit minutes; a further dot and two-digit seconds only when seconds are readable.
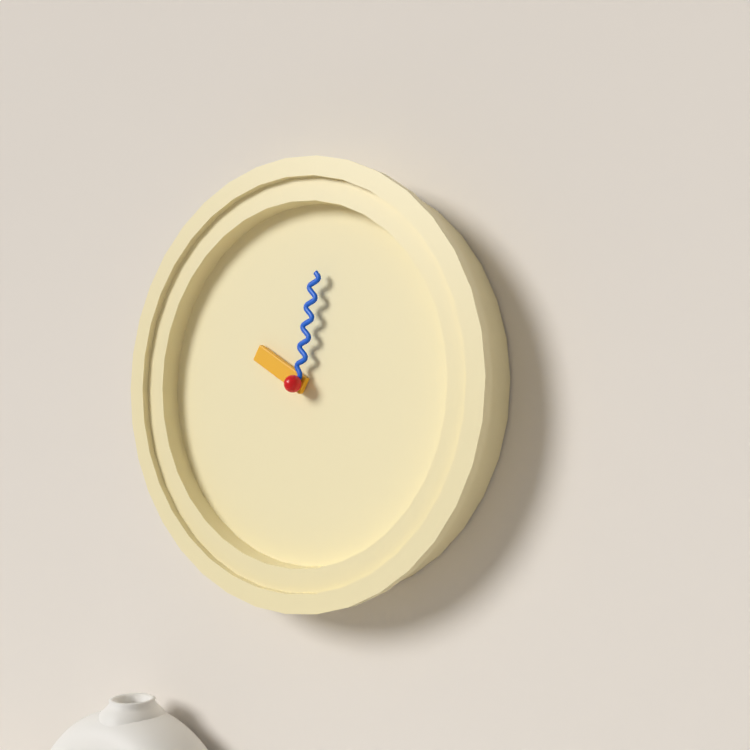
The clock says 10.02
